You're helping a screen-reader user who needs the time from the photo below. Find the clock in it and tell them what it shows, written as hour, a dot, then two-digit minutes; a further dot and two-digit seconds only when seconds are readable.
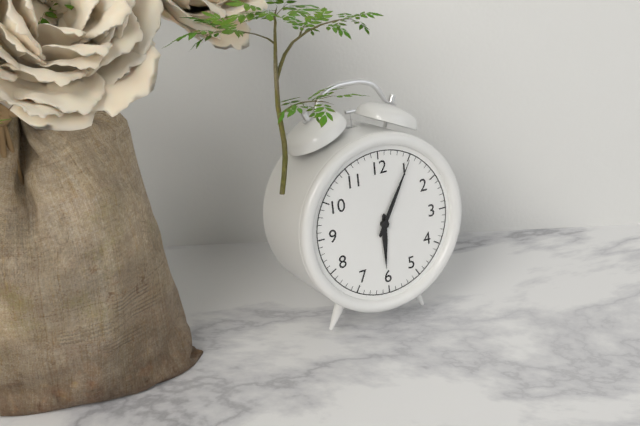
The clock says 6.05
